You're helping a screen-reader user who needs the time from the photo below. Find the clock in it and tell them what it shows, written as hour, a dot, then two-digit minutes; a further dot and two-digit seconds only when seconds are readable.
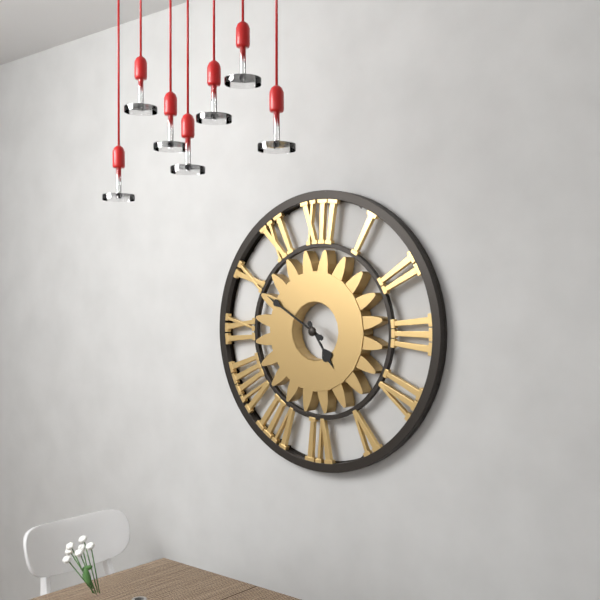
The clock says 4.50
